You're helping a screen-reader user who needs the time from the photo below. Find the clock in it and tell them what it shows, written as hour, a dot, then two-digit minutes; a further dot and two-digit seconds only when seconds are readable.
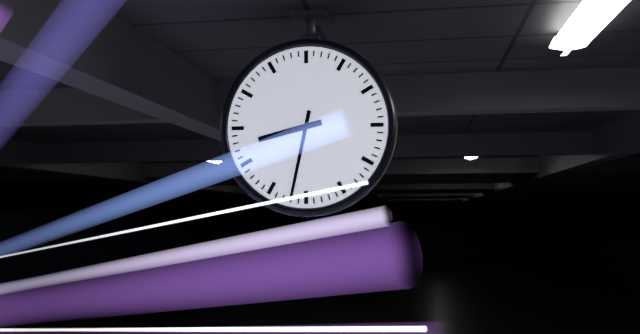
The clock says 8.32
